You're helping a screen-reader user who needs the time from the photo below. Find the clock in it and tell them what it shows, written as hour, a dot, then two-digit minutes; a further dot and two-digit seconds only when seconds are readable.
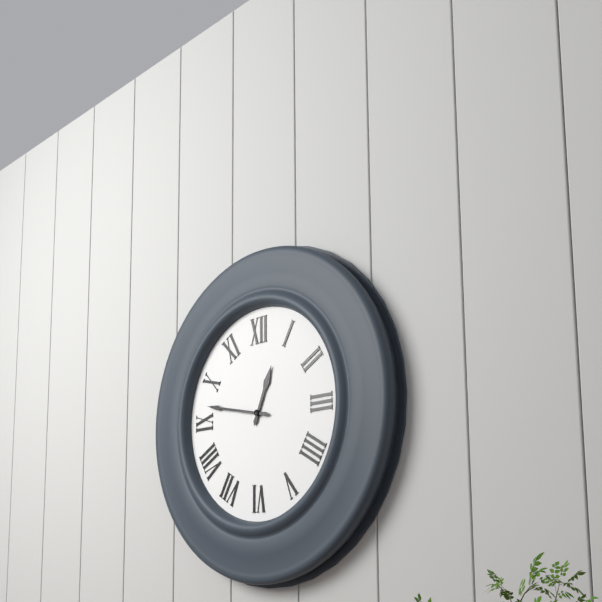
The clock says 12.47
